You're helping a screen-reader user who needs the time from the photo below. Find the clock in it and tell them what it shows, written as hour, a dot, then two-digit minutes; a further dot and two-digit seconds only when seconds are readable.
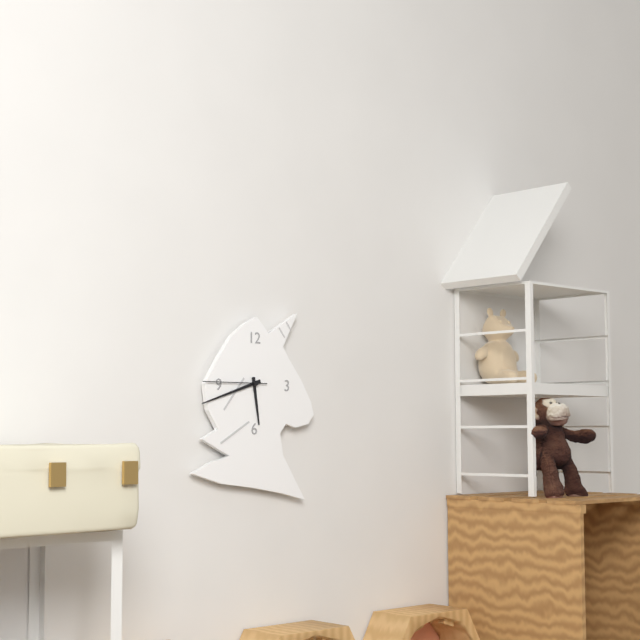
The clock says 5.42.45
